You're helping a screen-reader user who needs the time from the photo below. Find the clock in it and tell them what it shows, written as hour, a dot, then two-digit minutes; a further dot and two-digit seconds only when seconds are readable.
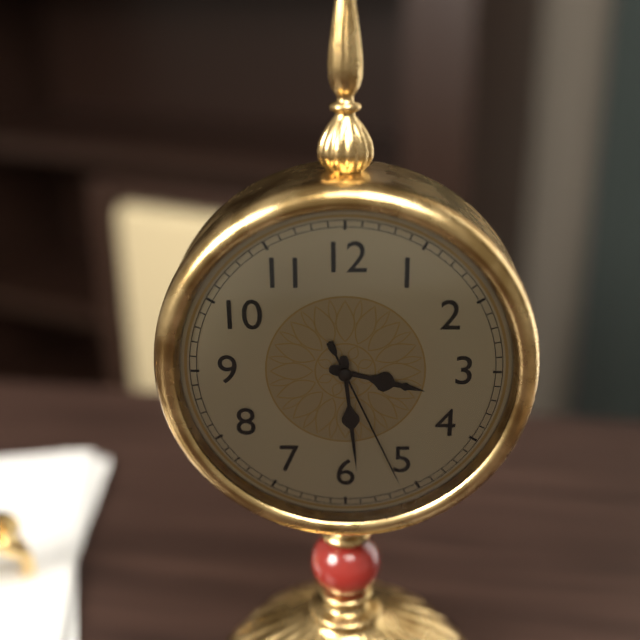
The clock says 3.29.26
